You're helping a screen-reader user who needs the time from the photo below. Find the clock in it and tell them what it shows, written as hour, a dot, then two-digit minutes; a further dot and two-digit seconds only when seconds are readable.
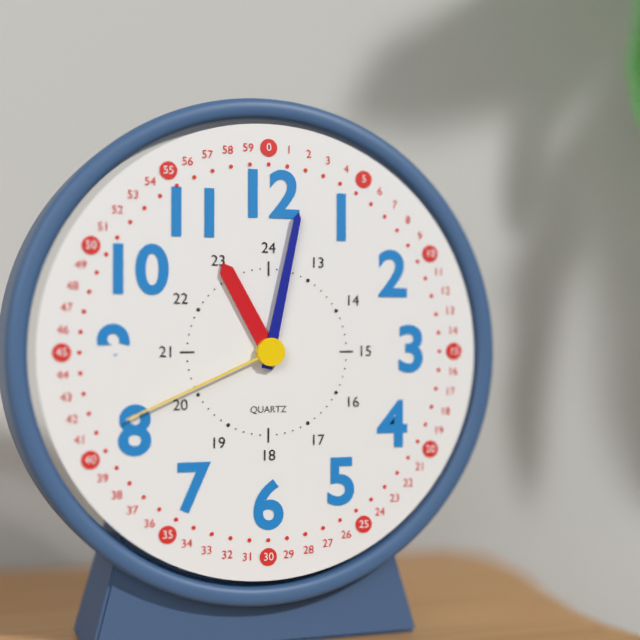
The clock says 11.02.41
